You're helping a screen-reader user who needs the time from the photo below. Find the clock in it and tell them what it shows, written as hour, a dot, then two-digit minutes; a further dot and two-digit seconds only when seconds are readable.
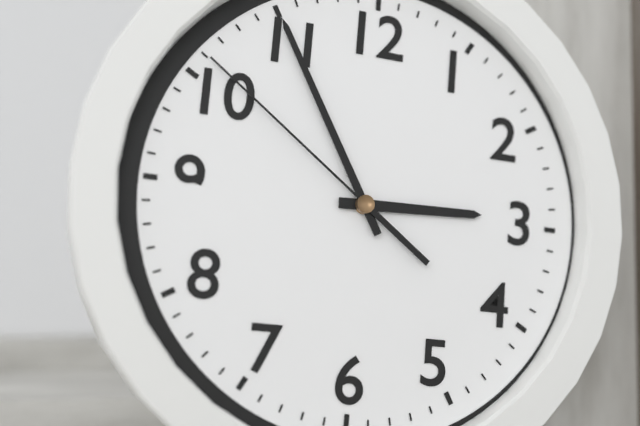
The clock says 2.55.51
